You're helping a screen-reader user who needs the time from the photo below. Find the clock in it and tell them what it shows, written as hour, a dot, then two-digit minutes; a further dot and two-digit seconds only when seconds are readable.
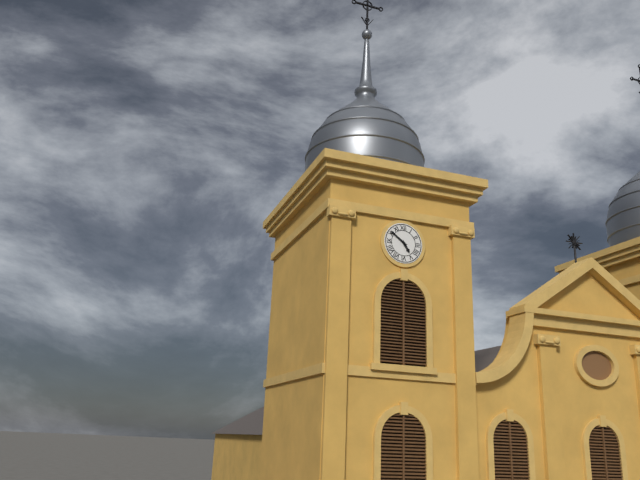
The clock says 4.51
